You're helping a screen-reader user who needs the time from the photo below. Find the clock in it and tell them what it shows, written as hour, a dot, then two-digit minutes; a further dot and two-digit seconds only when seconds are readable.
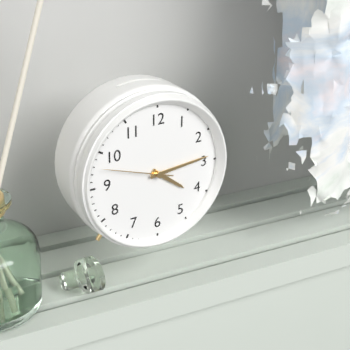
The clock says 4.14.48
